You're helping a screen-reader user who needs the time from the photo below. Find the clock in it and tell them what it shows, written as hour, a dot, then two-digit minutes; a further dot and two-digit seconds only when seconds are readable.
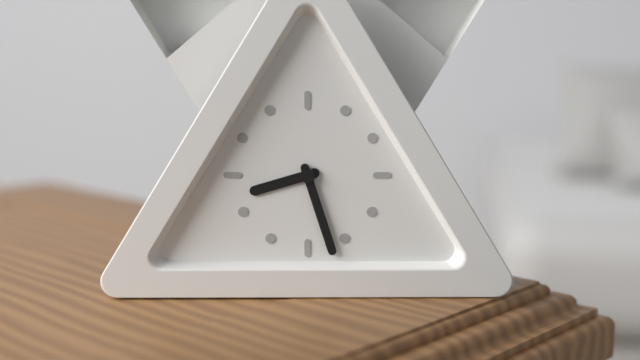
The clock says 8.27
